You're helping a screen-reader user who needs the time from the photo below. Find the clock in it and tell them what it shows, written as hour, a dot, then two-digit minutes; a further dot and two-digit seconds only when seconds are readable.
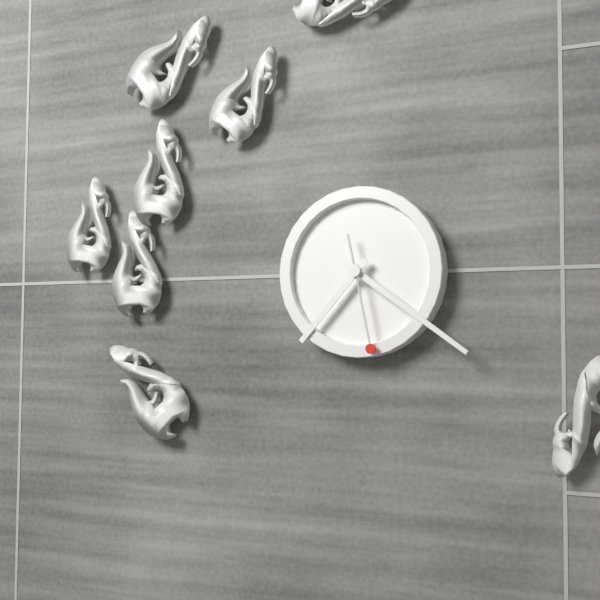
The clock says 7.21.28
